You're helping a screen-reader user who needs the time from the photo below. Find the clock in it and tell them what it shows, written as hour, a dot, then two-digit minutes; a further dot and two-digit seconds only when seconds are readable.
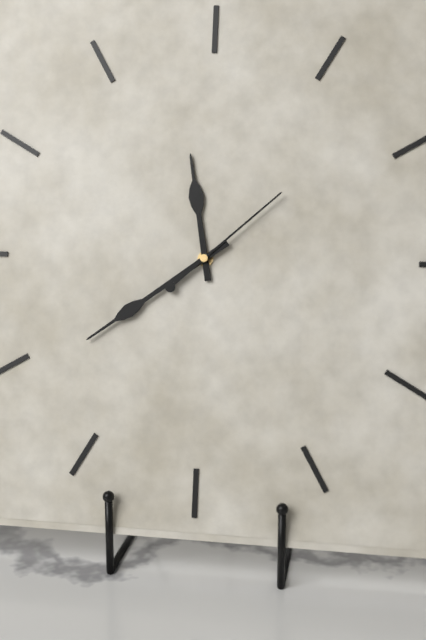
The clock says 11.39.08
